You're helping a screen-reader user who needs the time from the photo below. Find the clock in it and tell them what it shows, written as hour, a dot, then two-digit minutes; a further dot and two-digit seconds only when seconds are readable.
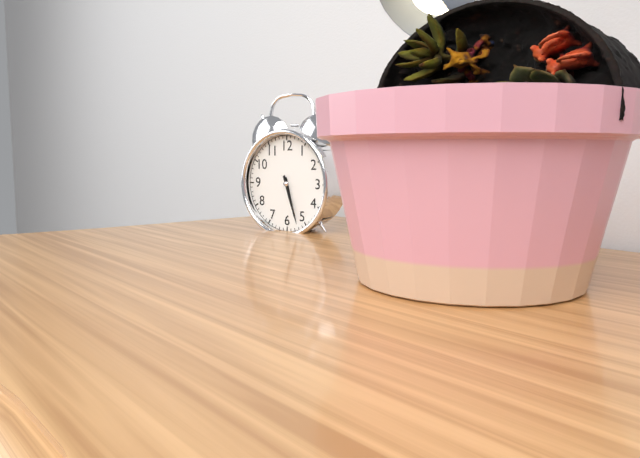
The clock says 5.27
